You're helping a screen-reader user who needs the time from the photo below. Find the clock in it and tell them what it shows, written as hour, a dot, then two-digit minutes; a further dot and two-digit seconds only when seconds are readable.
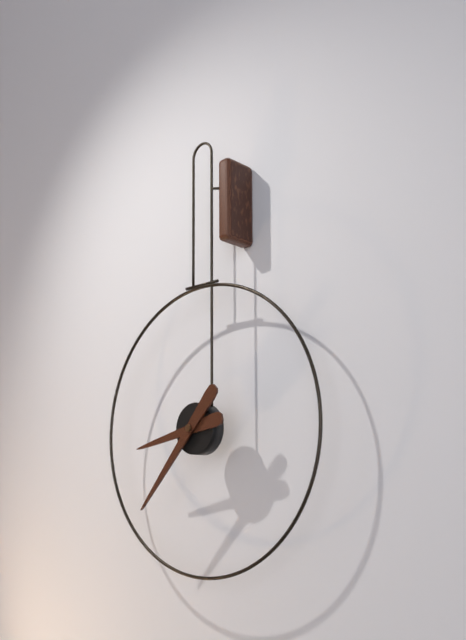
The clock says 8.37
